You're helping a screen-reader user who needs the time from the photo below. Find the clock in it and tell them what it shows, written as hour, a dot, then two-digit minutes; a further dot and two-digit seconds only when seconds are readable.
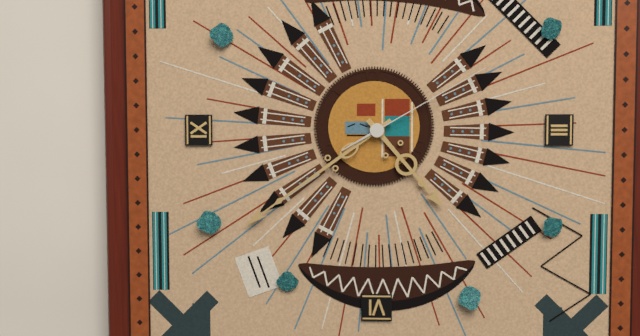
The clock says 4.39.10
